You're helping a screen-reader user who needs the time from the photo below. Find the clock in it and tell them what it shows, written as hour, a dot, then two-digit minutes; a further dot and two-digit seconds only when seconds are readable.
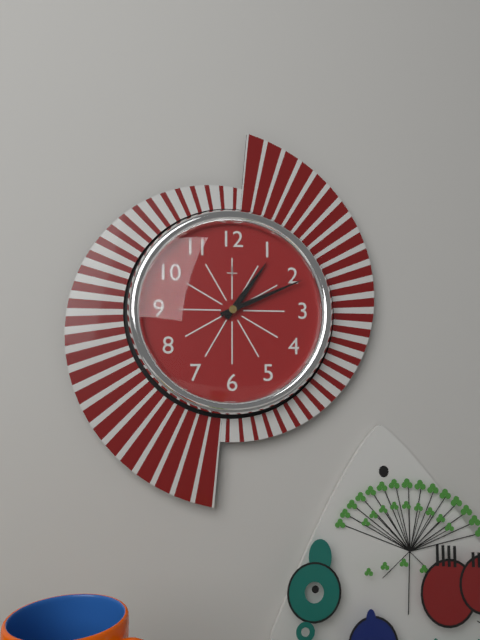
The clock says 1.11
